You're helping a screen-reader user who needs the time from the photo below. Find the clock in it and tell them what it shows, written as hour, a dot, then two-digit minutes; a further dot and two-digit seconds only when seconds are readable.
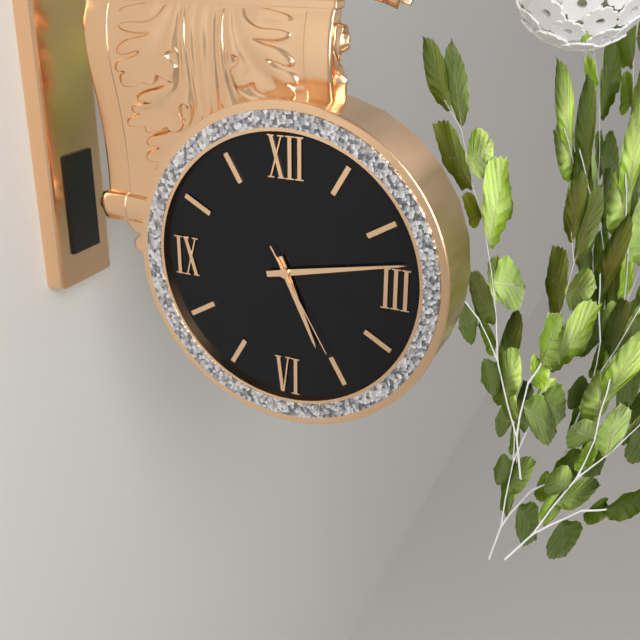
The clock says 5.13.25
